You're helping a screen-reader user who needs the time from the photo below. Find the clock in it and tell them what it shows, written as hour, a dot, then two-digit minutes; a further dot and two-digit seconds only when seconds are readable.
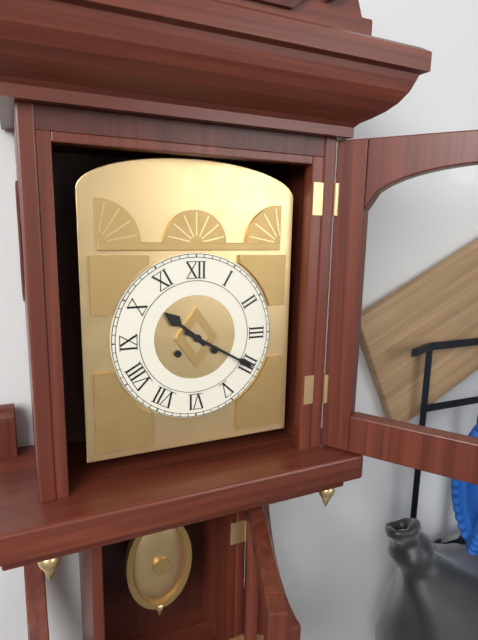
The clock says 10.20
